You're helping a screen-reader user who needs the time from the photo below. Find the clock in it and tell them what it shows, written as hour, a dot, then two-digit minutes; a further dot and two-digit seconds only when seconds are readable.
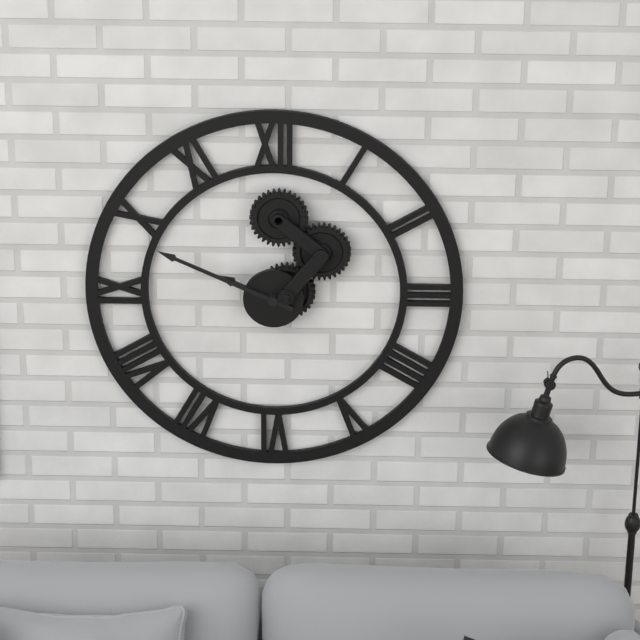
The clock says 9.49
